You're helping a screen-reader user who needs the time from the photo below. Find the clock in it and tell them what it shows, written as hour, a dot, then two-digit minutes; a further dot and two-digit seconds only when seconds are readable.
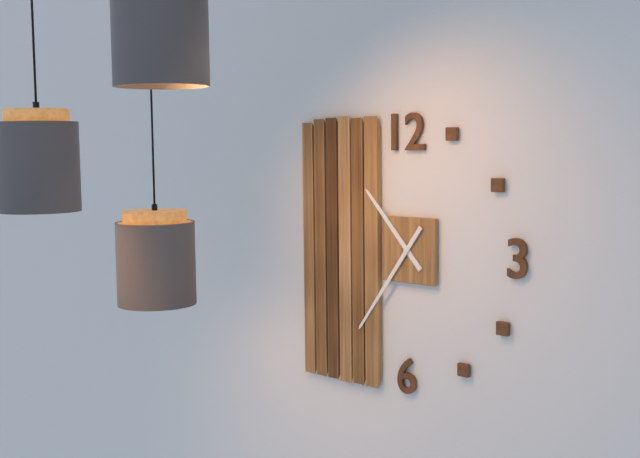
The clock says 10.36
